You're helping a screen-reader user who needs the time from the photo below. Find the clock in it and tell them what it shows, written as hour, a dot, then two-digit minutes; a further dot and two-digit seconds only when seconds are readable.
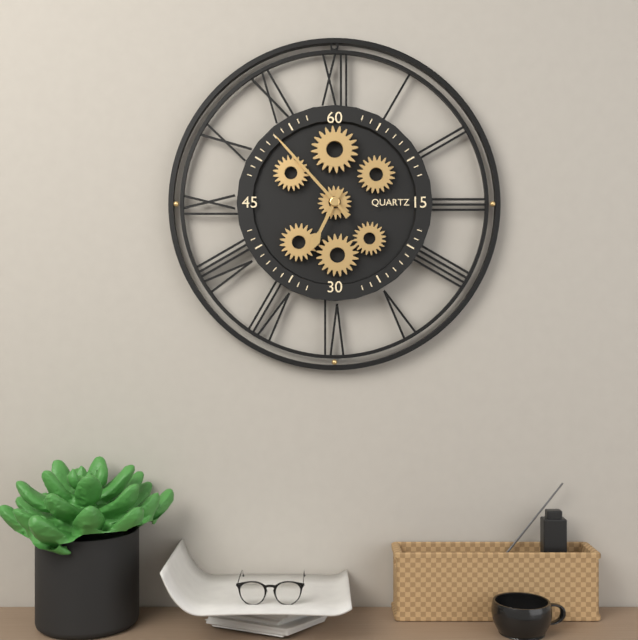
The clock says 6.53
